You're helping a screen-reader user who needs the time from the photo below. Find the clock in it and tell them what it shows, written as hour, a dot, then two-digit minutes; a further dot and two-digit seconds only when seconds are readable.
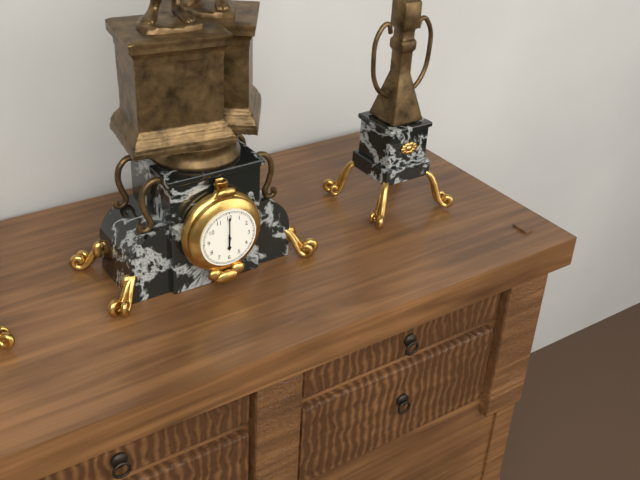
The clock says 6.00
